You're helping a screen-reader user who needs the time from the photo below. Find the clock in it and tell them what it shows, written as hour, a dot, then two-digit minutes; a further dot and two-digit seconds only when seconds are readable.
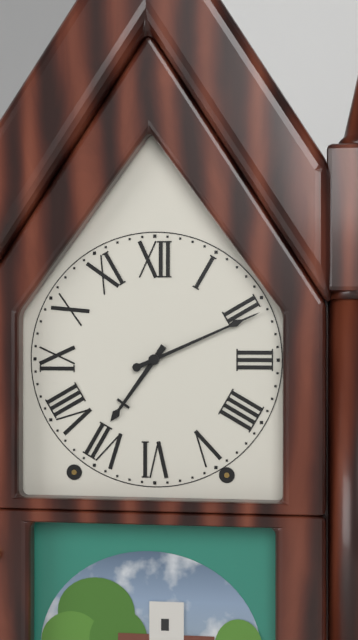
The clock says 7.11
